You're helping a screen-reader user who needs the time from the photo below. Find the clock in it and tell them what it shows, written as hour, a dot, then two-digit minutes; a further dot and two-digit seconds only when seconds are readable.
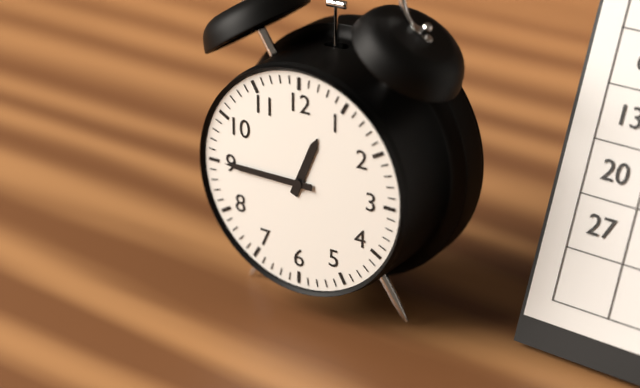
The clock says 12.45
